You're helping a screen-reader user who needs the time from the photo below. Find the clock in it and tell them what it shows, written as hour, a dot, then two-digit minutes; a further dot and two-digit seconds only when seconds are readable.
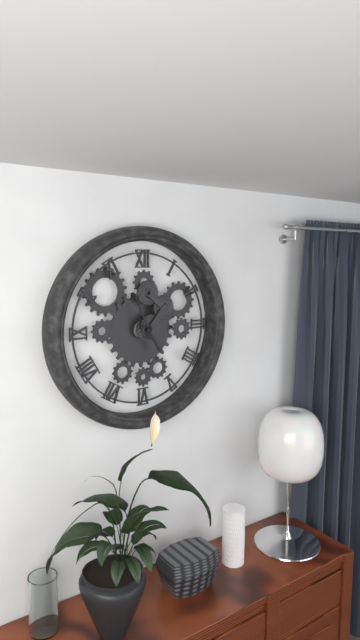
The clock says 4.56
